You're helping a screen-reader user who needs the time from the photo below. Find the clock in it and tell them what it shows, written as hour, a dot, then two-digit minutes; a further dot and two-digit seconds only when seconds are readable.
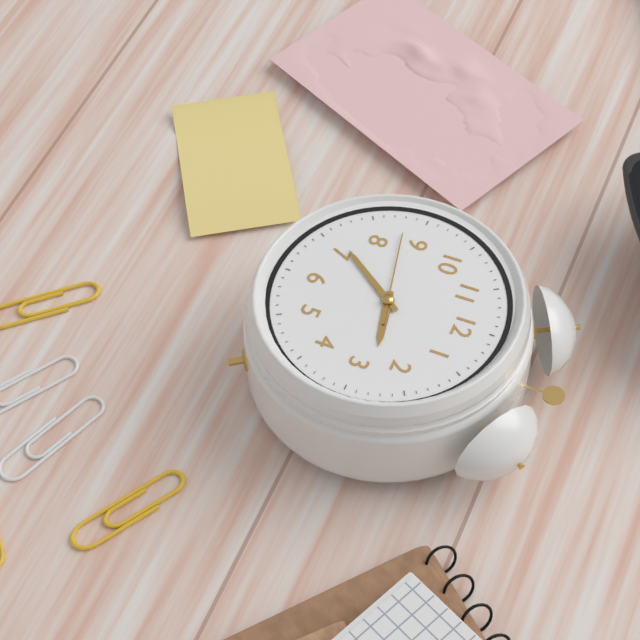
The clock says 2.36.43
